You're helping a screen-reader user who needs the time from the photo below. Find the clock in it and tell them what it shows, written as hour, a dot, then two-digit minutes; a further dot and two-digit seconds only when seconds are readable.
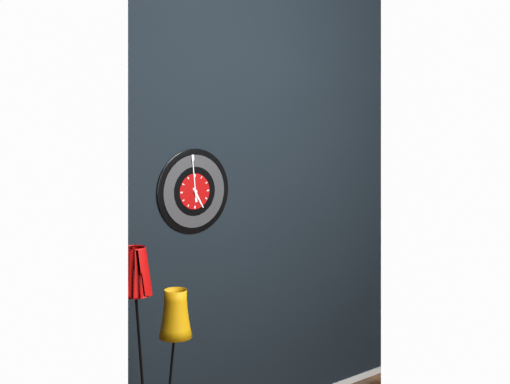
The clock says 4.59
